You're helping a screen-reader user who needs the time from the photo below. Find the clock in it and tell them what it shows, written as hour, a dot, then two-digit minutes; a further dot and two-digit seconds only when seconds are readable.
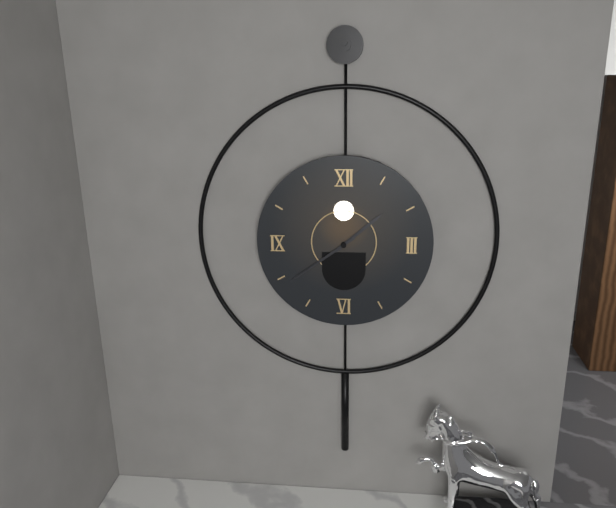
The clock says 1.39
